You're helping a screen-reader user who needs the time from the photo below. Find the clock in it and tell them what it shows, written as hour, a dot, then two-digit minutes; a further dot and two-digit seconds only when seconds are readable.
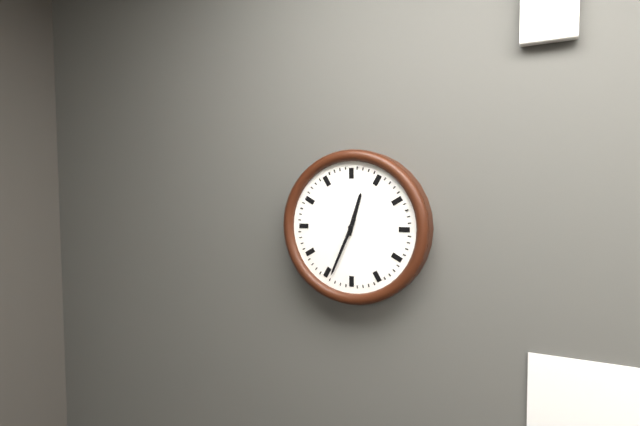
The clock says 12.34
